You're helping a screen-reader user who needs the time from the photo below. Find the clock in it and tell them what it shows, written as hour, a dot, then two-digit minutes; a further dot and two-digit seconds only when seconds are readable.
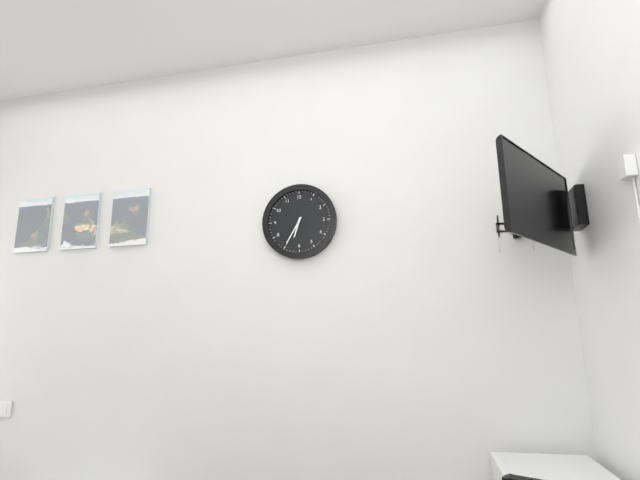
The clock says 6.35
